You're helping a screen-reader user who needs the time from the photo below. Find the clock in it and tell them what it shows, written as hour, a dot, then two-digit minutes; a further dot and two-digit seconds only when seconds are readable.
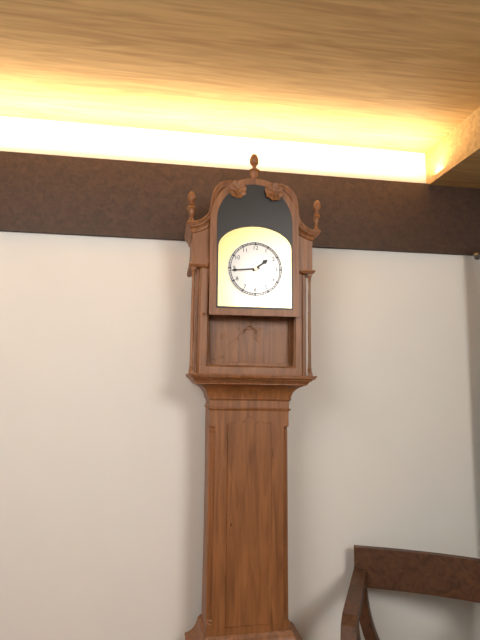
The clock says 1.44
